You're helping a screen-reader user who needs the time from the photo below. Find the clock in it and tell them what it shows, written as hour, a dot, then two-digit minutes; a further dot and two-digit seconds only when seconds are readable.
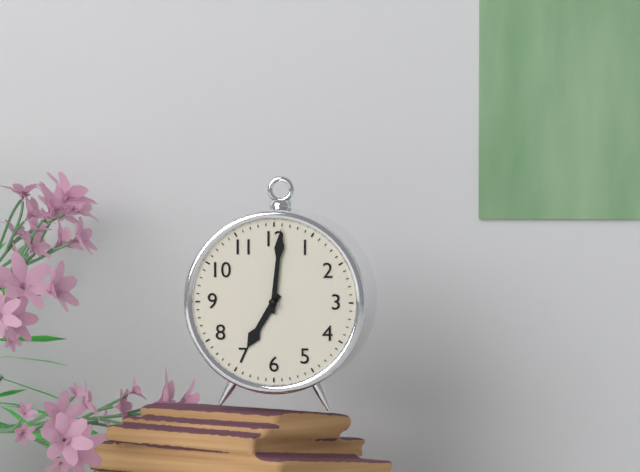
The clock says 7.01
